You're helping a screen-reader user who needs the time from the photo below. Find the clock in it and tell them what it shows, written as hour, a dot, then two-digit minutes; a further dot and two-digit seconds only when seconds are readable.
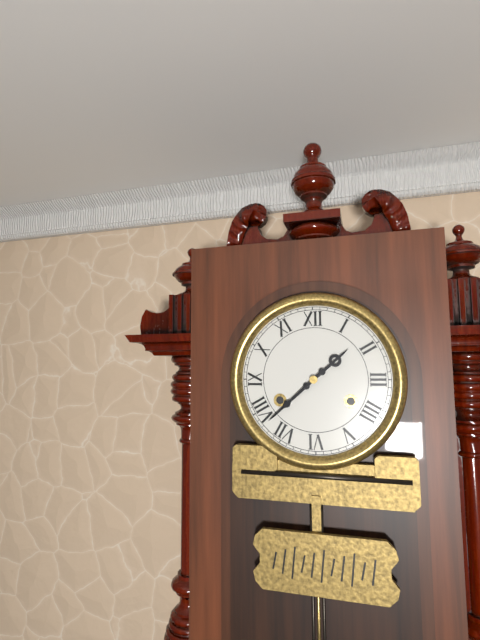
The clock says 1.38
